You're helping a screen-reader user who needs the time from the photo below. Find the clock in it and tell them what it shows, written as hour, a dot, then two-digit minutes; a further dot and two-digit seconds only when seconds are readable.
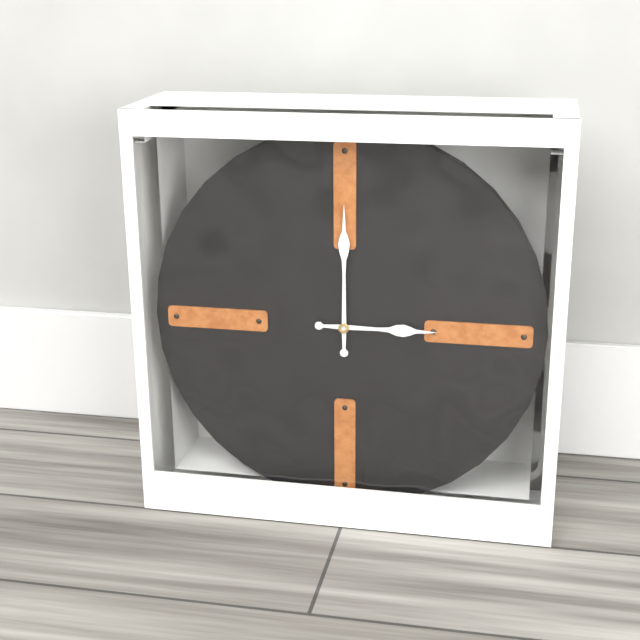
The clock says 3.00
